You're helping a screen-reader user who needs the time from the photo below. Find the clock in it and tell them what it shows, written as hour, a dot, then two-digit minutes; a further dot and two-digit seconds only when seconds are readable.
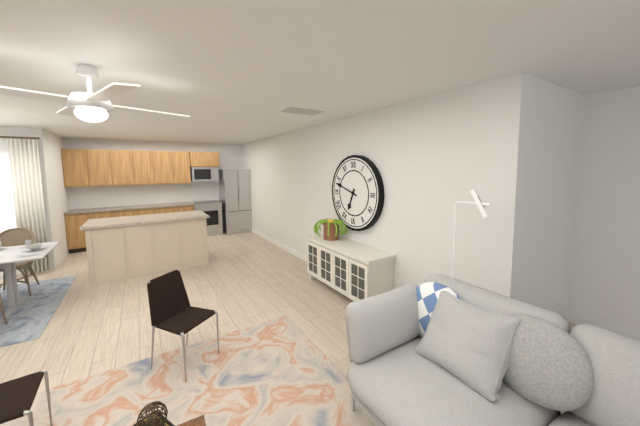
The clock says 6.48
